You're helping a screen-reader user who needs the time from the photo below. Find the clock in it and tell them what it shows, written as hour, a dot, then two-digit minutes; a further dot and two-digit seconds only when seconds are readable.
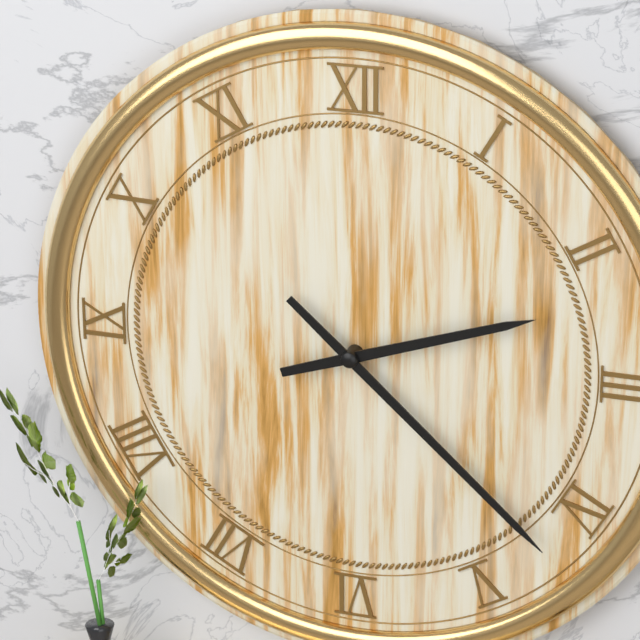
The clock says 2.22
